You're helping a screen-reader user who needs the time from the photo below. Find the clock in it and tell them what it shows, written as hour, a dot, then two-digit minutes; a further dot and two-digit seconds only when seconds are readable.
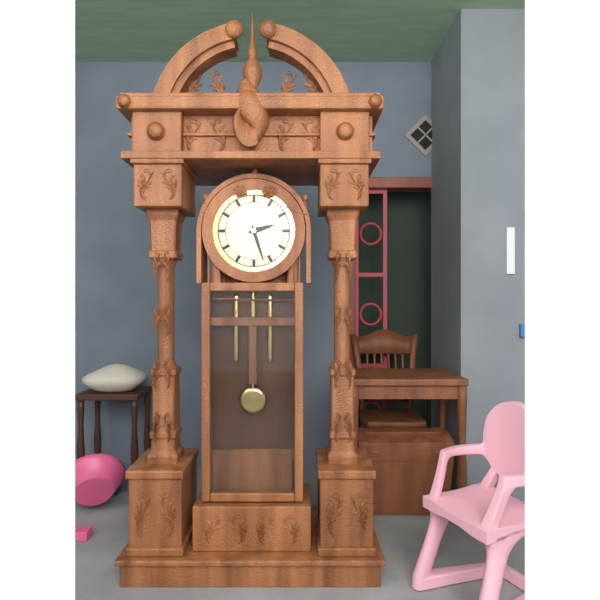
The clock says 2.27
